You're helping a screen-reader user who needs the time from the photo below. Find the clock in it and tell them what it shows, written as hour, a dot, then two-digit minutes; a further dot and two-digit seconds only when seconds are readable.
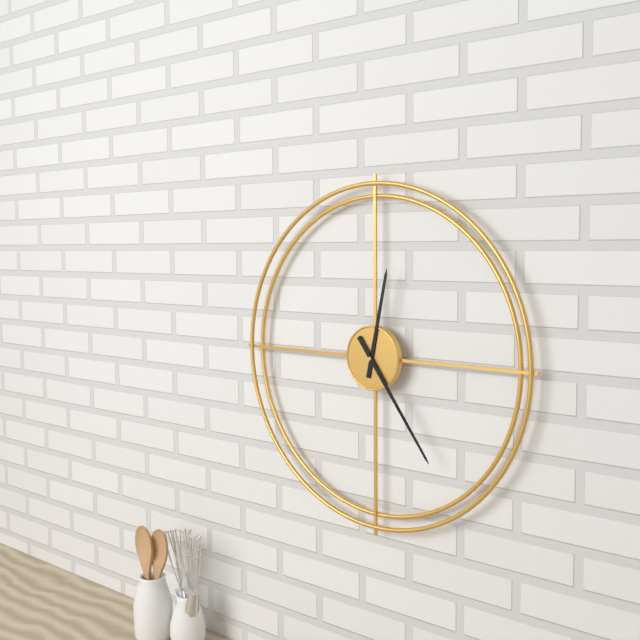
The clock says 12.24
